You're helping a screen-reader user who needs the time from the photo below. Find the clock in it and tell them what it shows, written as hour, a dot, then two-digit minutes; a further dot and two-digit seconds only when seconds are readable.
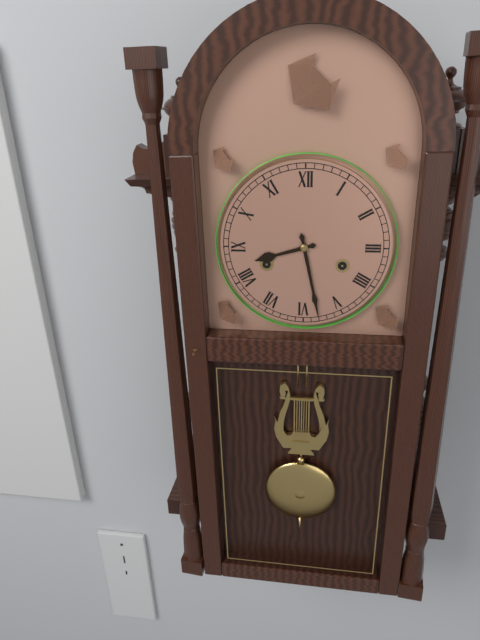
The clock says 8.28
